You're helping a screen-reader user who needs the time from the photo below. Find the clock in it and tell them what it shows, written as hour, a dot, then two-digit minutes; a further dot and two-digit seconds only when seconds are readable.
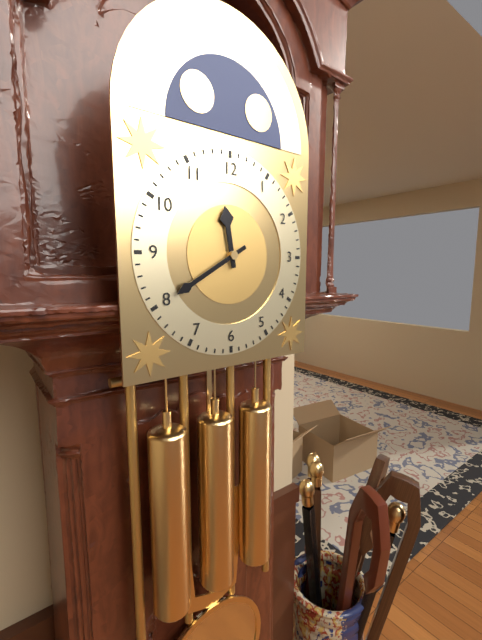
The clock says 11.40
